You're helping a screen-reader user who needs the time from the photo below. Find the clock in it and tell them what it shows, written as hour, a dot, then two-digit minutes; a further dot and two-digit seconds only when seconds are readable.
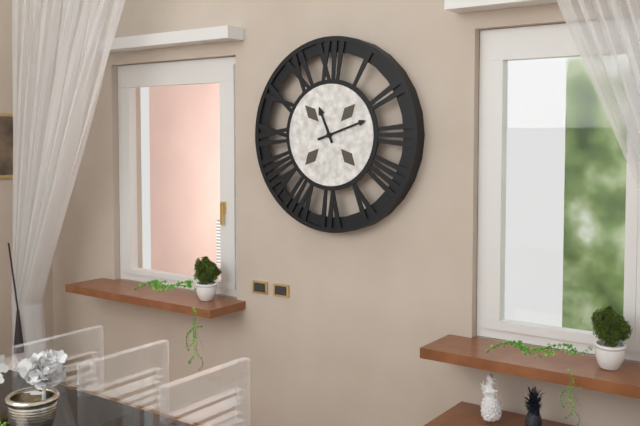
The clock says 11.12
